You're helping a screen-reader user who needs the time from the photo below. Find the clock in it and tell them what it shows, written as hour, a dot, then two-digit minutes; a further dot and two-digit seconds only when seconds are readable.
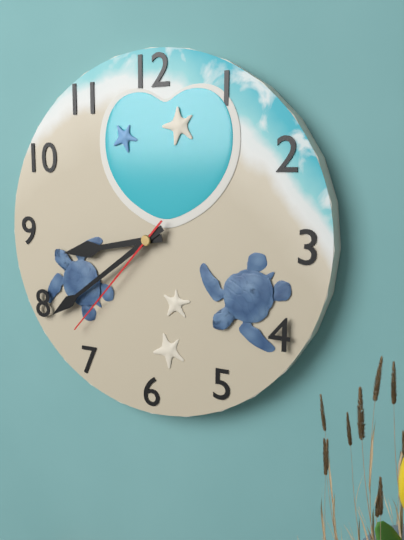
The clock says 8.39.37
